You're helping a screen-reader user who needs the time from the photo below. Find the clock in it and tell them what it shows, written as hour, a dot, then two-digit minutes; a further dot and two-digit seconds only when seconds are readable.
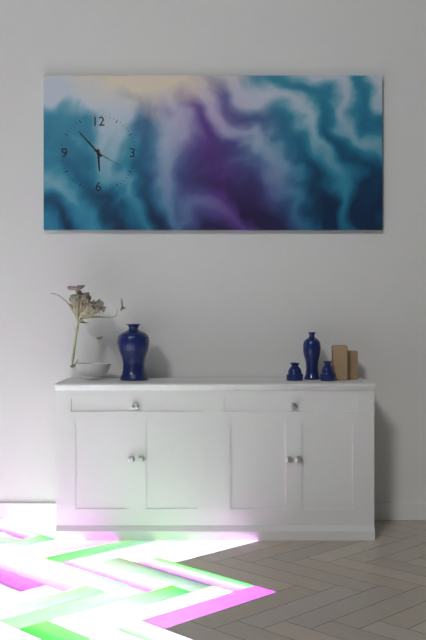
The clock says 5.53
